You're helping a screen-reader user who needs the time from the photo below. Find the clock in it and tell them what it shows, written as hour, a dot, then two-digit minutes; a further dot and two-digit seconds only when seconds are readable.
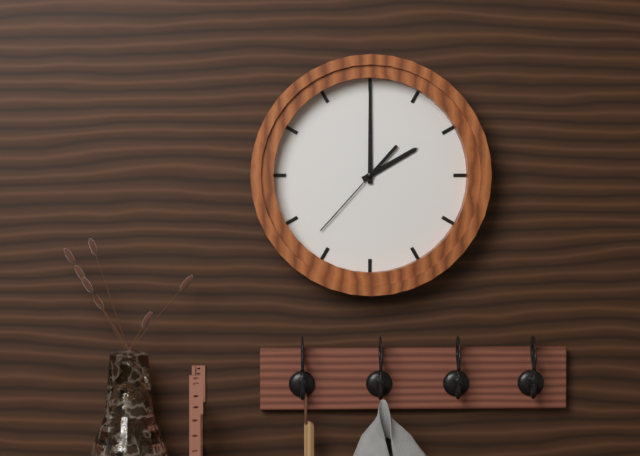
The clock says 2.00.37
